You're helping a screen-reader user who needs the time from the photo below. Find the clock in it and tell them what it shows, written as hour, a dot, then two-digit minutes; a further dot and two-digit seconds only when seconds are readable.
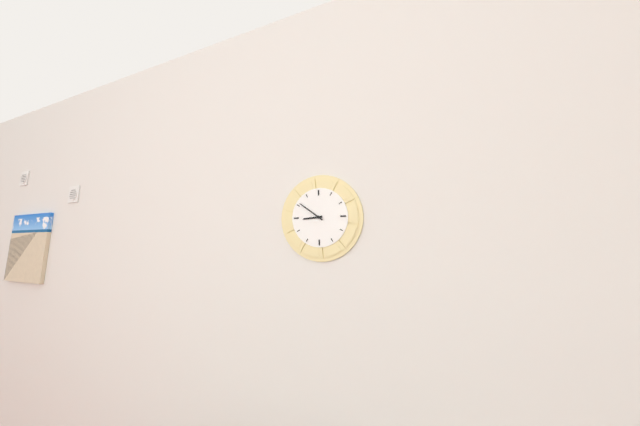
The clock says 8.51
